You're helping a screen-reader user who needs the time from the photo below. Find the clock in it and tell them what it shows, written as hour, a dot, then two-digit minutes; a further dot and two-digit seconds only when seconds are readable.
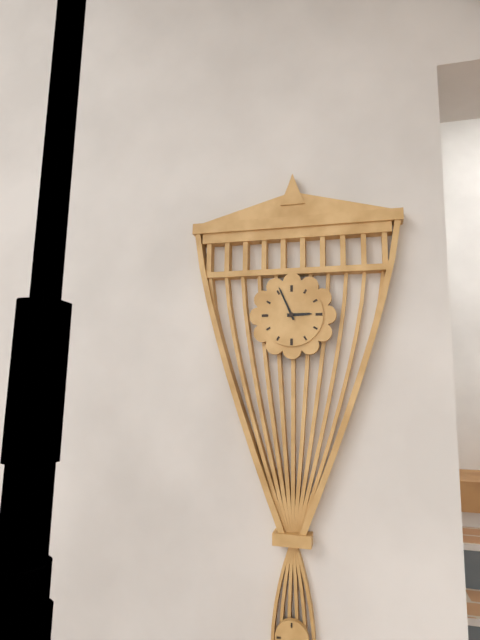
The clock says 2.56
